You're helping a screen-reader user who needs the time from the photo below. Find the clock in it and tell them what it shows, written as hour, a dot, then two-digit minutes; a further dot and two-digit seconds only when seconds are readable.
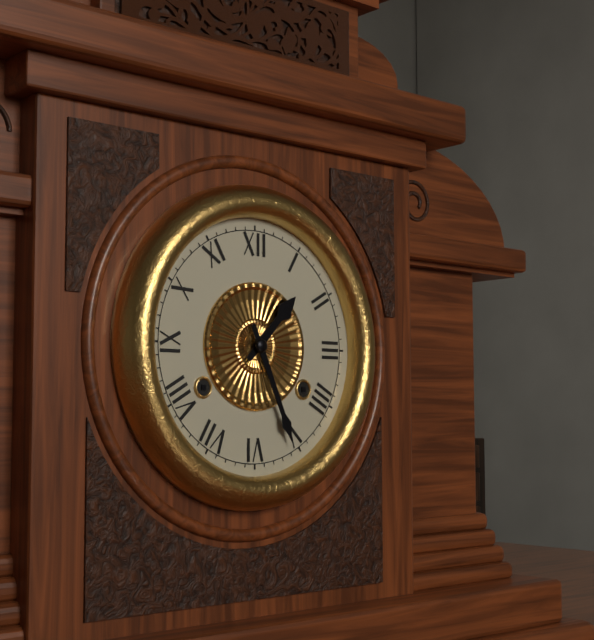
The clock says 1.26
